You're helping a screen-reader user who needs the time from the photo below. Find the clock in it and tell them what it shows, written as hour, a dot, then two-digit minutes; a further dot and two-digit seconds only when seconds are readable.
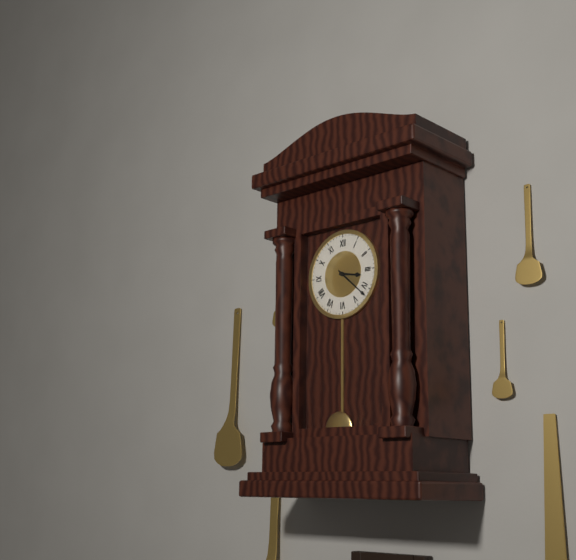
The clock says 3.22
